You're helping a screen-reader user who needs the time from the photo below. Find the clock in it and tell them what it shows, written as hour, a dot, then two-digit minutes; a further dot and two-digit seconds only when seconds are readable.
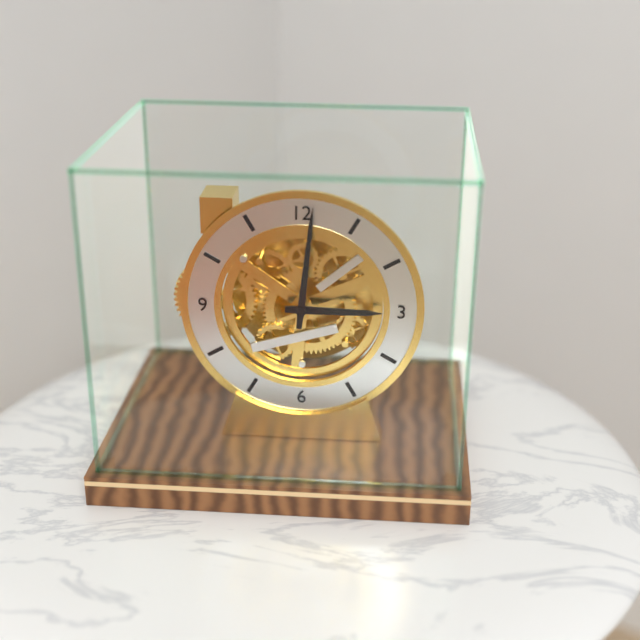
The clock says 3.01
